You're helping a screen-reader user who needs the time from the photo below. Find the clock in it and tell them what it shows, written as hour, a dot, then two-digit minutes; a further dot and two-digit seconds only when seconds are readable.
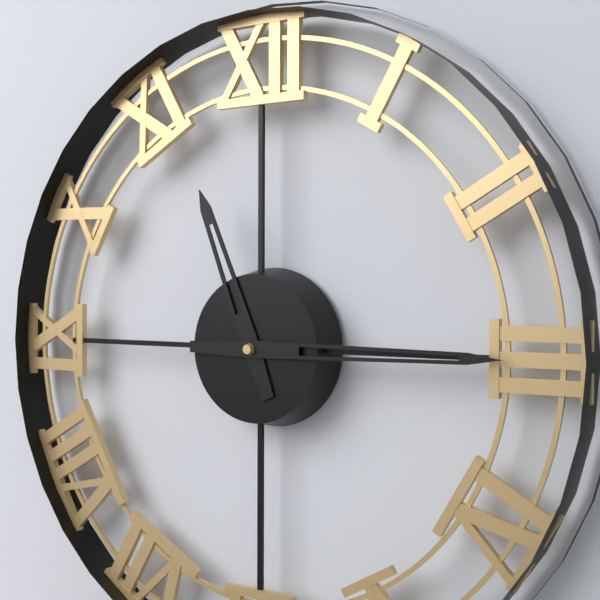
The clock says 11.15
